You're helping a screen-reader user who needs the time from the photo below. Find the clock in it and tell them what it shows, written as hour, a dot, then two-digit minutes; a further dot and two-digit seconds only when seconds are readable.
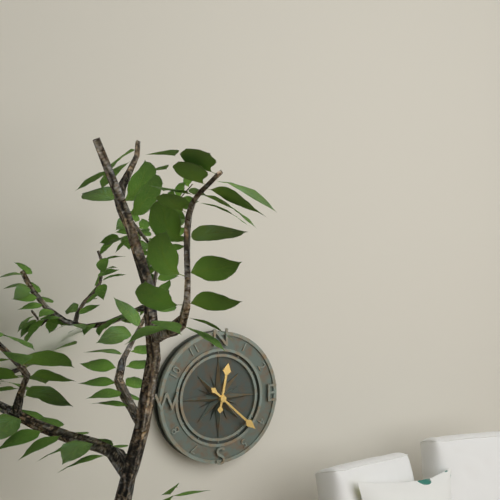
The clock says 12.22
